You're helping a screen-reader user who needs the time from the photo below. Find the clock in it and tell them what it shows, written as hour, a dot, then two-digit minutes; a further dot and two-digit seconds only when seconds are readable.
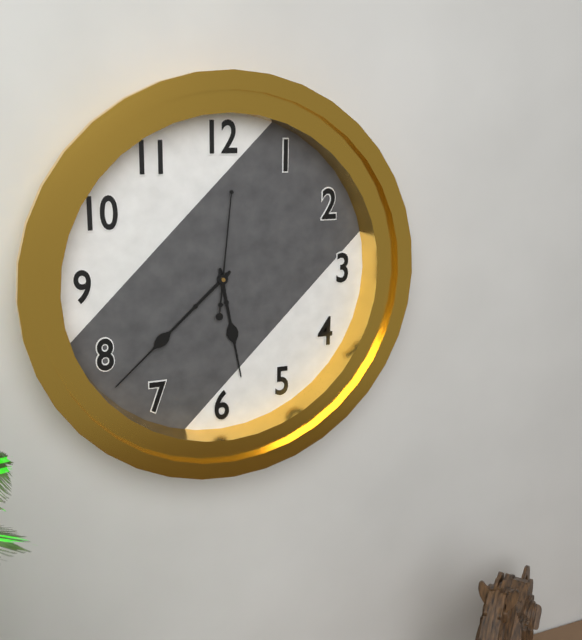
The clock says 5.38.01
